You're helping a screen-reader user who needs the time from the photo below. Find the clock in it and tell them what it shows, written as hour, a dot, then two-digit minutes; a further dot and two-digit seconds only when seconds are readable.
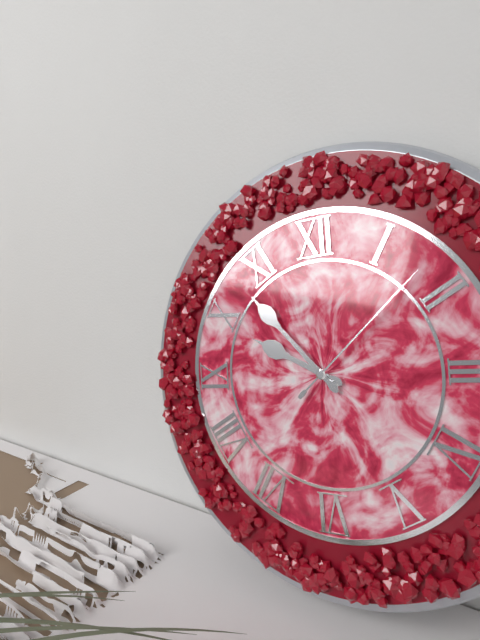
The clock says 9.53.08
